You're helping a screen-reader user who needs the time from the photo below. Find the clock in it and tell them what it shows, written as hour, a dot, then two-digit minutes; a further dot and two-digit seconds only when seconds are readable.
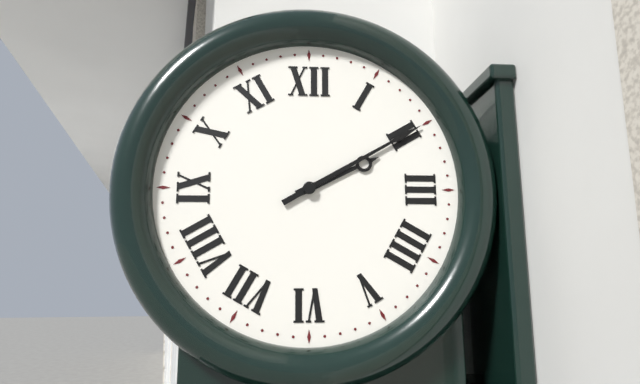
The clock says 2.10
